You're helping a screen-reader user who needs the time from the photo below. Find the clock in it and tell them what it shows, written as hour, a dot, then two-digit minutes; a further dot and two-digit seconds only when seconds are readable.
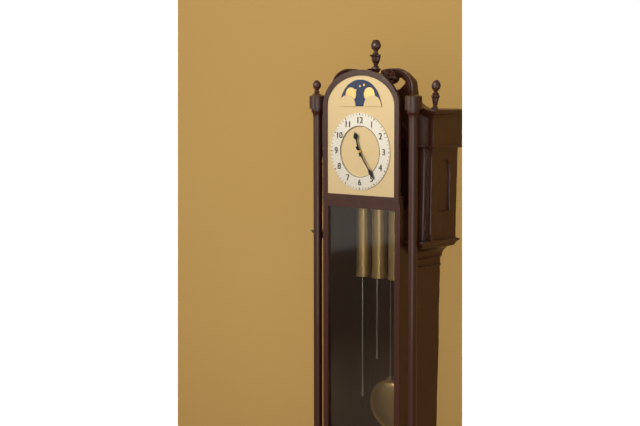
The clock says 11.24
